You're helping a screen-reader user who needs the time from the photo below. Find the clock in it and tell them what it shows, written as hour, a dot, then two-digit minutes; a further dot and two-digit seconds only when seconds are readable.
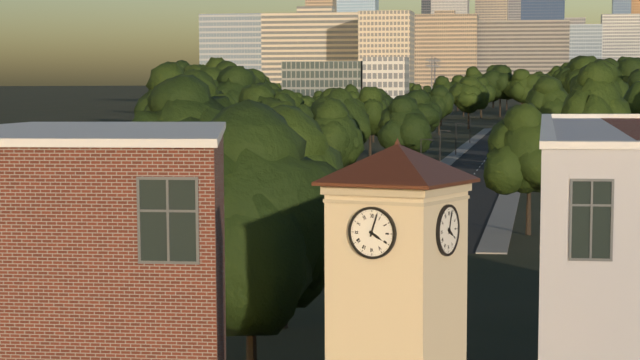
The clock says 4.03
